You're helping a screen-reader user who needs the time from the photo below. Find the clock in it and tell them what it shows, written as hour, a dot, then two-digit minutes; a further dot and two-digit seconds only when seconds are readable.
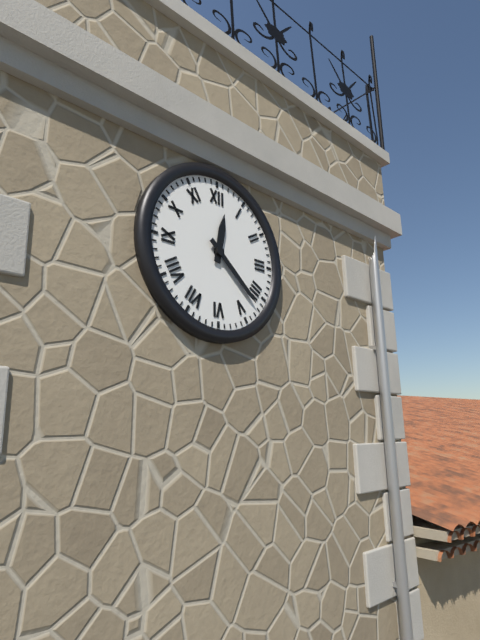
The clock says 12.22
